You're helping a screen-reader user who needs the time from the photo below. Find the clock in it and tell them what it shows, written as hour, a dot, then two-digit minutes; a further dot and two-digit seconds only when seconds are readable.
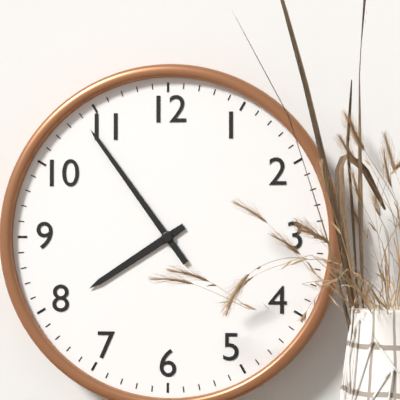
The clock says 7.54
